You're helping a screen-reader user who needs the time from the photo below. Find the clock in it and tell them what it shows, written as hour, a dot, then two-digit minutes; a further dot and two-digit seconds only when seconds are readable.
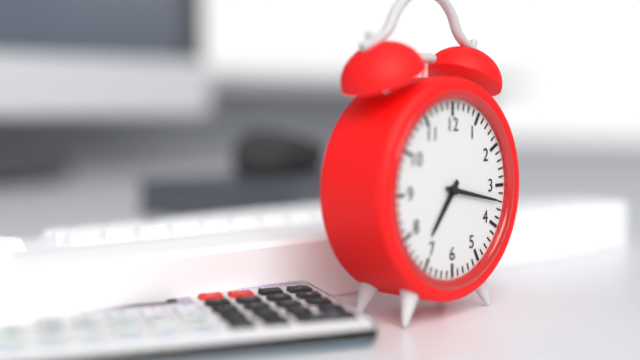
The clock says 7.17
